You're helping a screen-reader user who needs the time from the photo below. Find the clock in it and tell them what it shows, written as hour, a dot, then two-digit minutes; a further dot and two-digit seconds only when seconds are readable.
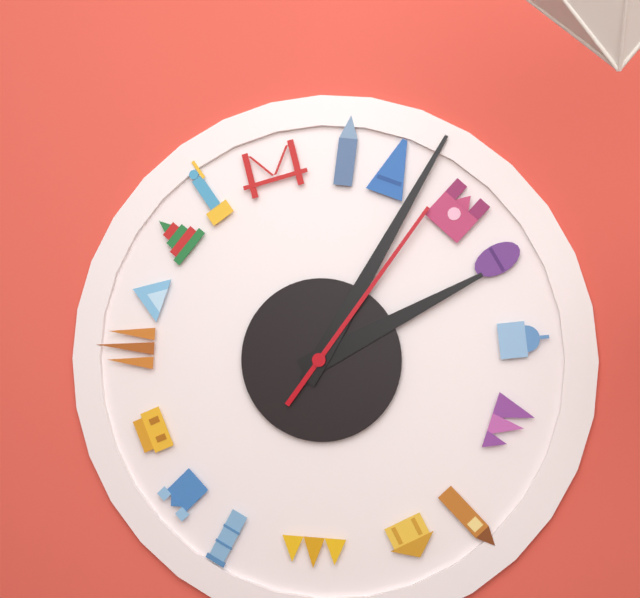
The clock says 2.05.06
